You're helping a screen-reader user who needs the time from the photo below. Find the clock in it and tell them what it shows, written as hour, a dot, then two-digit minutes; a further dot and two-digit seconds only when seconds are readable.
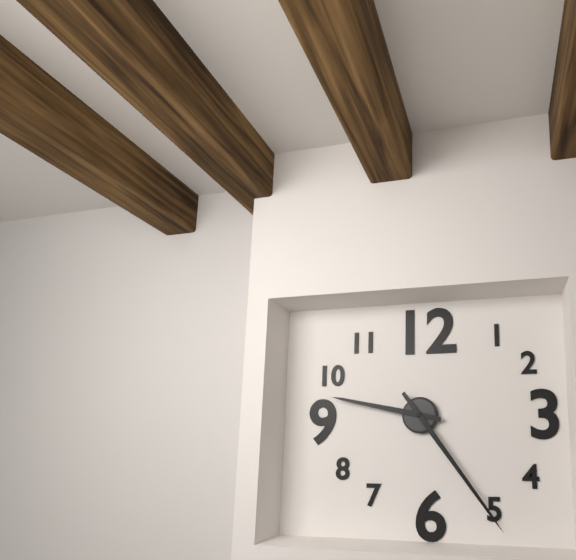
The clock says 9.24
